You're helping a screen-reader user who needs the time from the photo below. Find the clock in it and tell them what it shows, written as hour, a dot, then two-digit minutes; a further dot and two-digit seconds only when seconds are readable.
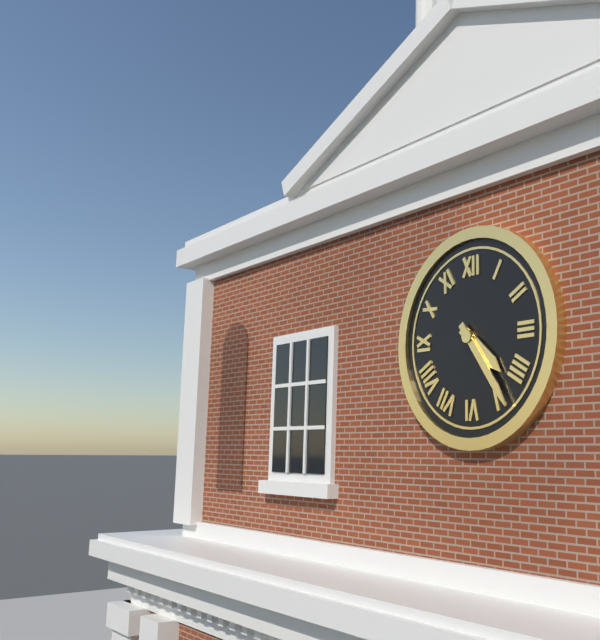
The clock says 4.24
